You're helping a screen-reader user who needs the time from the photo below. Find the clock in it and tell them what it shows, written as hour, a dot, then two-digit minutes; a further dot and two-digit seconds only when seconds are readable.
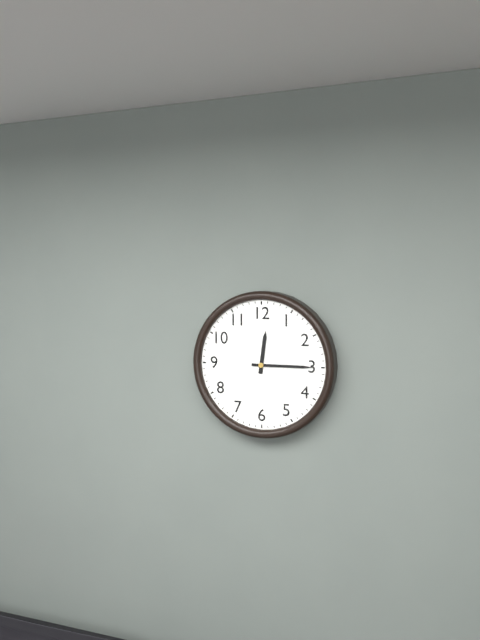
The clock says 12.15
